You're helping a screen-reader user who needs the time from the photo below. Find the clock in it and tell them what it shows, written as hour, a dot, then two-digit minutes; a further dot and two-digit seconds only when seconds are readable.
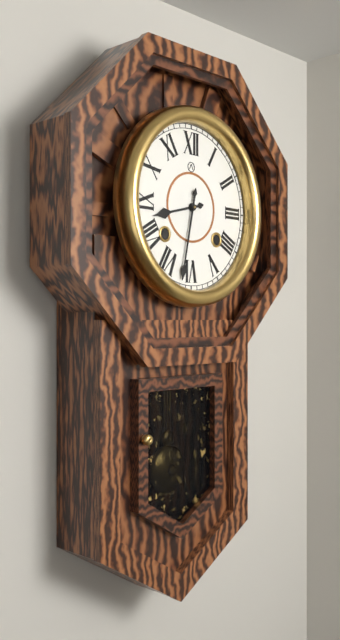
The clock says 8.32
